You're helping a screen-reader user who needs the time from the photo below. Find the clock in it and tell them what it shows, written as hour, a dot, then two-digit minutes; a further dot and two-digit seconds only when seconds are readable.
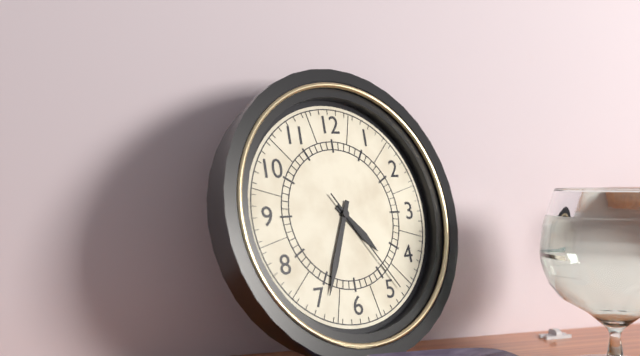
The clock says 4.34.24
